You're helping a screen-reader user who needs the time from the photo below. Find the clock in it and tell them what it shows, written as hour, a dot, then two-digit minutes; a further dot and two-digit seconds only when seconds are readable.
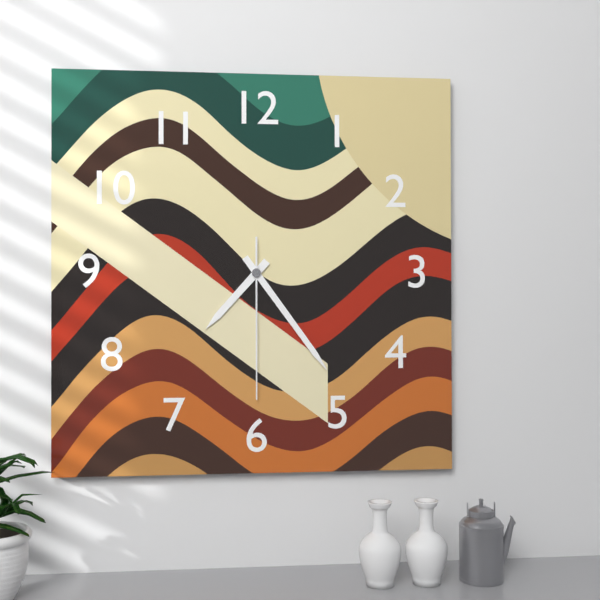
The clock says 7.24.30
